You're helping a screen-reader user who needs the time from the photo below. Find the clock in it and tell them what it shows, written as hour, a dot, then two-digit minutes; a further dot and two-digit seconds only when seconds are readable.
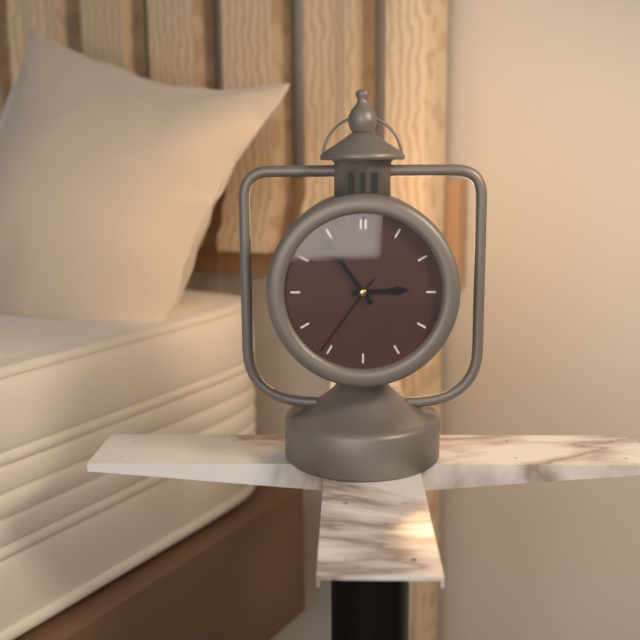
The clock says 2.54.36
